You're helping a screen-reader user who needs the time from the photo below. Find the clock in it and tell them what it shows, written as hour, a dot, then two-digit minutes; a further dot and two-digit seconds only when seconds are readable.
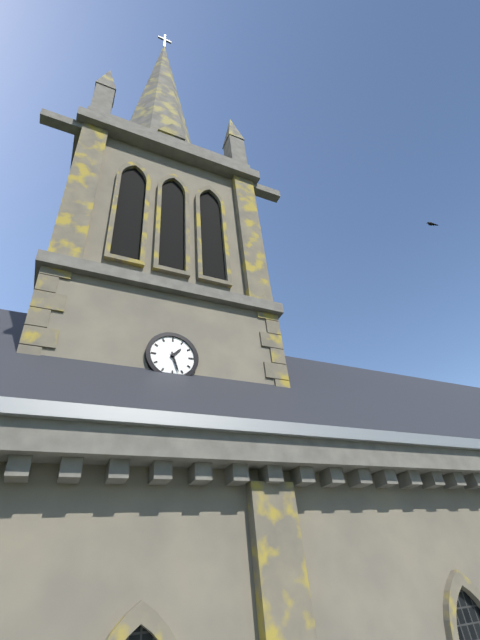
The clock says 1.27
